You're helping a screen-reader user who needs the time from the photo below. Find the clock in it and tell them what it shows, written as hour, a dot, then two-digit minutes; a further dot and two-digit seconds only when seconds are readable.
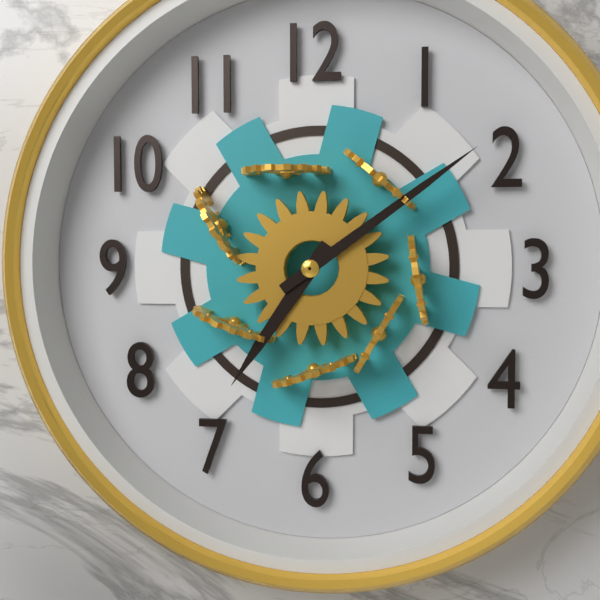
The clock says 7.09
